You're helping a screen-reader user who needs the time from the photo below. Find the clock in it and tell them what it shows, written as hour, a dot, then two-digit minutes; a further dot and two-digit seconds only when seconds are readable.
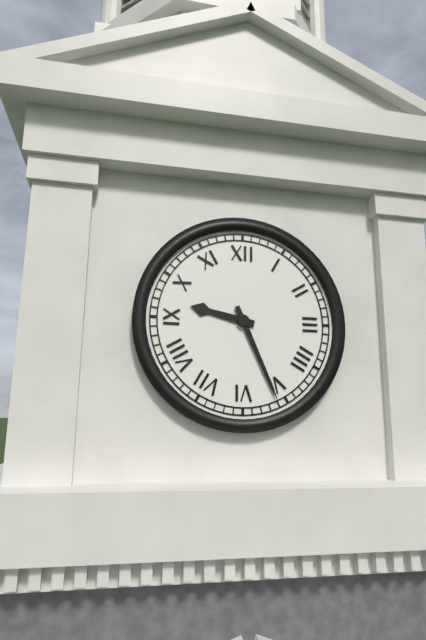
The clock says 9.26
